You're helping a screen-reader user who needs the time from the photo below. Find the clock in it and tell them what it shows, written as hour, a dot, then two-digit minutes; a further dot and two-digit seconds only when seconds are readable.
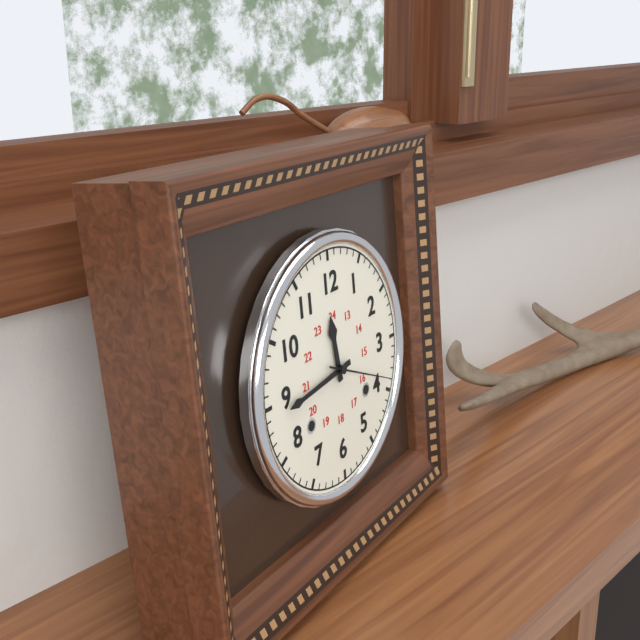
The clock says 11.44.19
